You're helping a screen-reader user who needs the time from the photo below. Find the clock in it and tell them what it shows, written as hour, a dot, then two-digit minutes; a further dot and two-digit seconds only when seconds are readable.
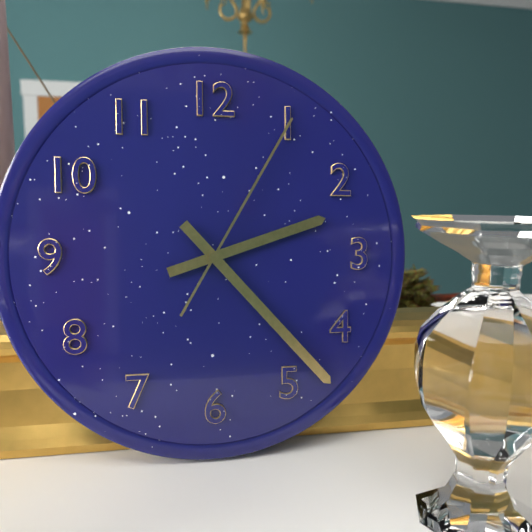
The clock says 2.23.05
